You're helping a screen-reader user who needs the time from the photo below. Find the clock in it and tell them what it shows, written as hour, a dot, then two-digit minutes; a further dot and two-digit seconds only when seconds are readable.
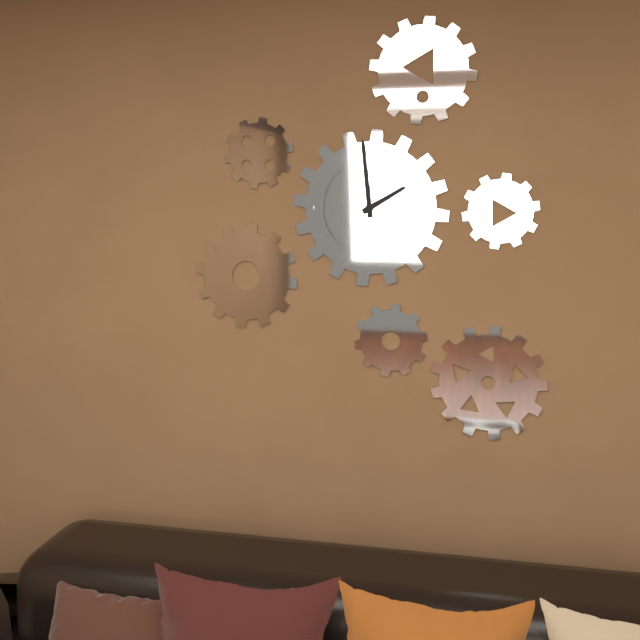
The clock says 1.59
